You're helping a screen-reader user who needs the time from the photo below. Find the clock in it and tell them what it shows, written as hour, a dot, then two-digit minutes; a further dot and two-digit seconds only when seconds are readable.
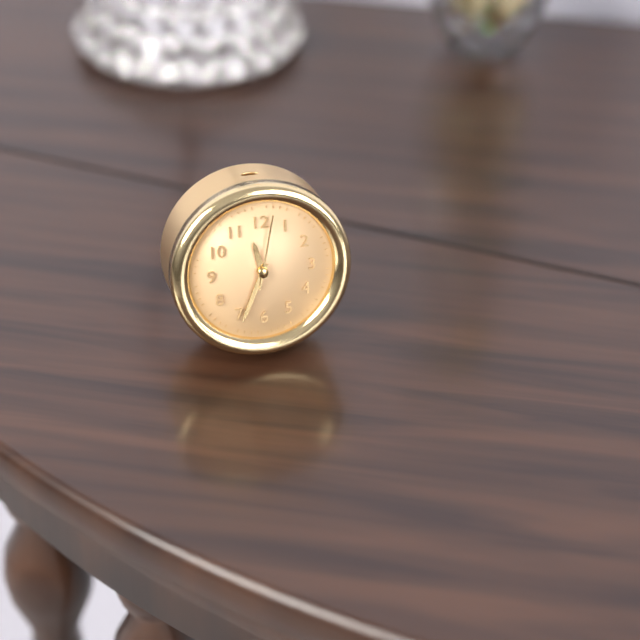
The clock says 11.34.02
